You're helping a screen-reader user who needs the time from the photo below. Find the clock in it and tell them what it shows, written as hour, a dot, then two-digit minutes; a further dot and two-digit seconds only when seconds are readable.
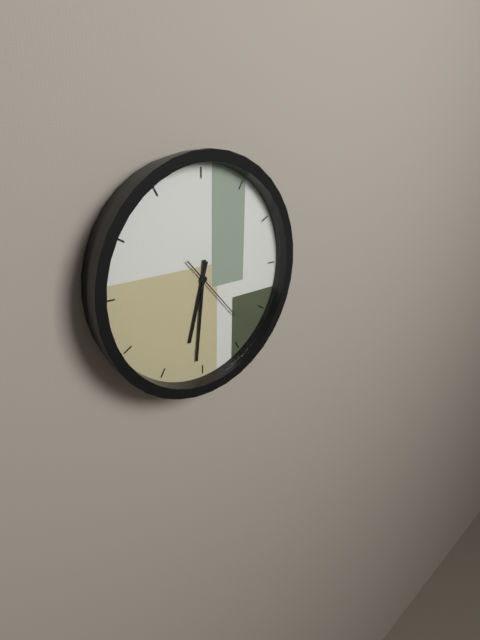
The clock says 6.31.23
